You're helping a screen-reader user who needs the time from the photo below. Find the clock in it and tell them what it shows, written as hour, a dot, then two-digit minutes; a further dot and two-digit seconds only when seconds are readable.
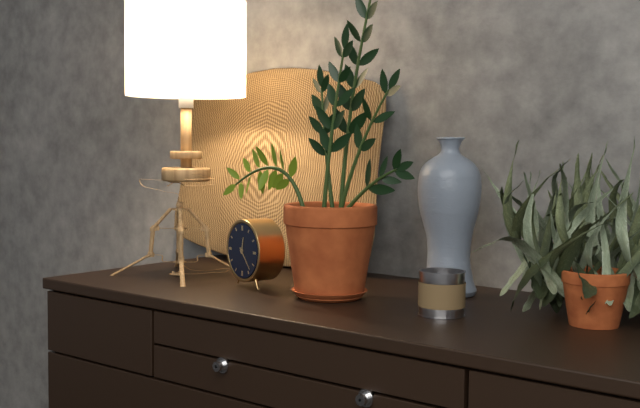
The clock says 12.23
